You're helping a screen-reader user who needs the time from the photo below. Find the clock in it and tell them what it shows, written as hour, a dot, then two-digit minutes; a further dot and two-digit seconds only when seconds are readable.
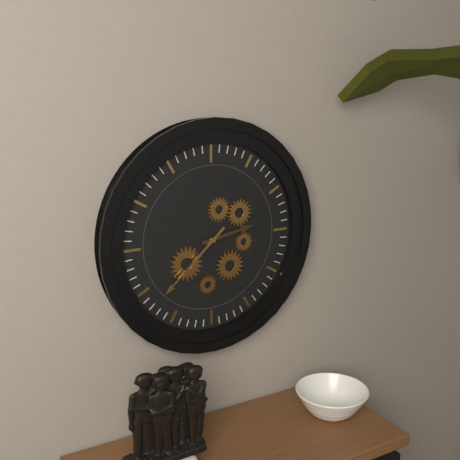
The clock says 2.38
